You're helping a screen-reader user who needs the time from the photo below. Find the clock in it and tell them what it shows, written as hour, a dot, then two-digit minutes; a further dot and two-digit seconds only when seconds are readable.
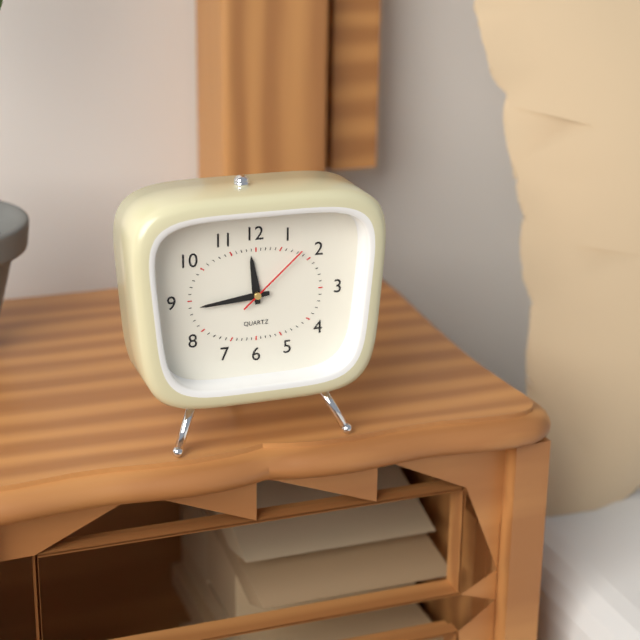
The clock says 11.44.08
